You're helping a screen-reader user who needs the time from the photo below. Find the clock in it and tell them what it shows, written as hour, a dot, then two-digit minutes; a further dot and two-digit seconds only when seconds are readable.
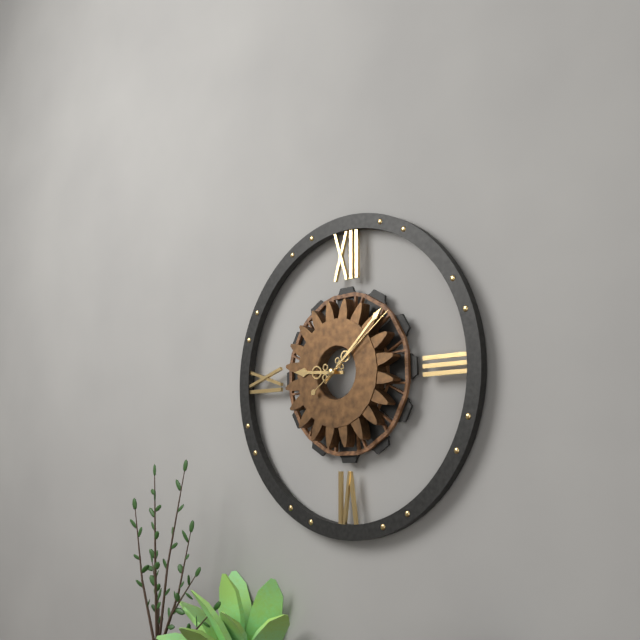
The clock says 9.08.09
